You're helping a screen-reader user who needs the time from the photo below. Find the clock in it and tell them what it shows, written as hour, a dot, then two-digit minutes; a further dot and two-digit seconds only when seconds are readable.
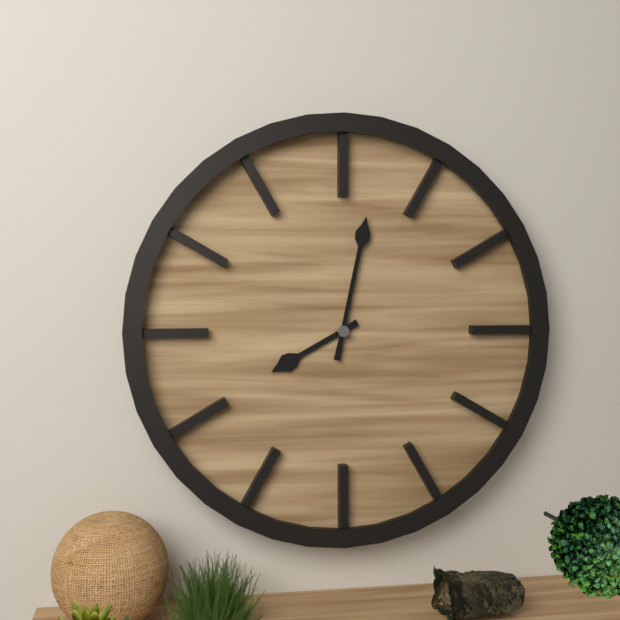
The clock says 8.02
